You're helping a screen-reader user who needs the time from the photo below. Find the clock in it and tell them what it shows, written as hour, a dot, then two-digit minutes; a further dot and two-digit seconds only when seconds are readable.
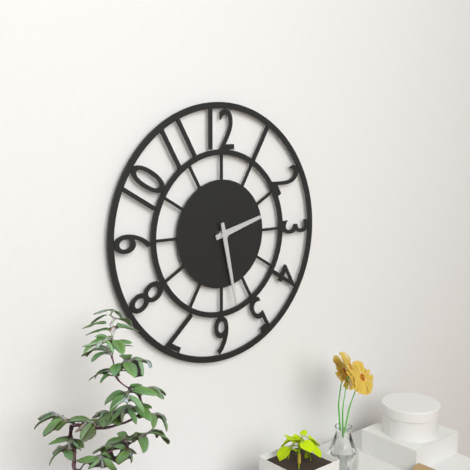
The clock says 2.28
